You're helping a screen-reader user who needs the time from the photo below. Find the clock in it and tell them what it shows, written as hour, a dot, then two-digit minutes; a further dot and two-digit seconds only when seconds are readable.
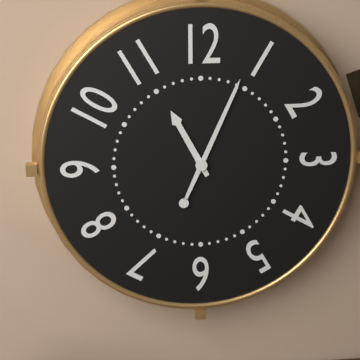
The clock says 11.04
